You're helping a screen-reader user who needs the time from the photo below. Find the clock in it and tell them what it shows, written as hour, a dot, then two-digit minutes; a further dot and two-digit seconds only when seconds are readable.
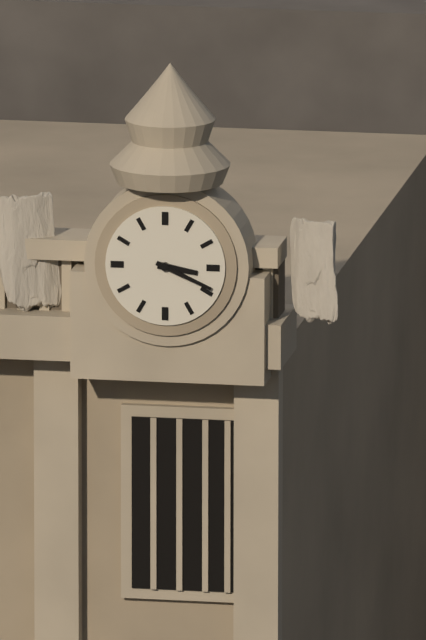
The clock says 3.19
